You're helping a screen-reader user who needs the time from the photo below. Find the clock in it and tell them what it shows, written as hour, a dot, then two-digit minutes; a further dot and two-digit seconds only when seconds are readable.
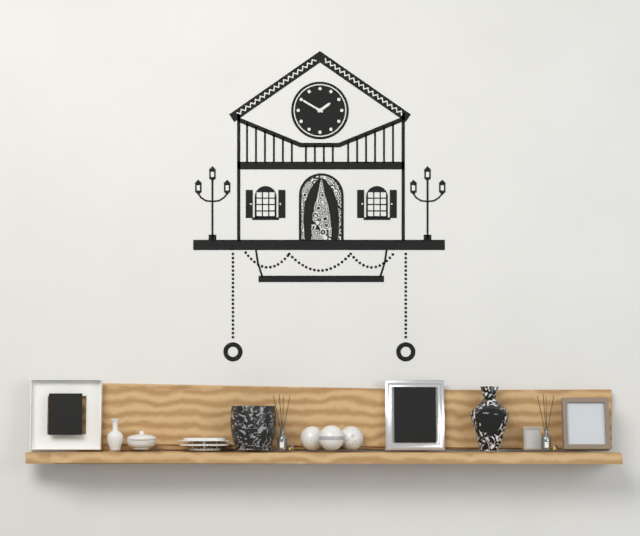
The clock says 1.50
